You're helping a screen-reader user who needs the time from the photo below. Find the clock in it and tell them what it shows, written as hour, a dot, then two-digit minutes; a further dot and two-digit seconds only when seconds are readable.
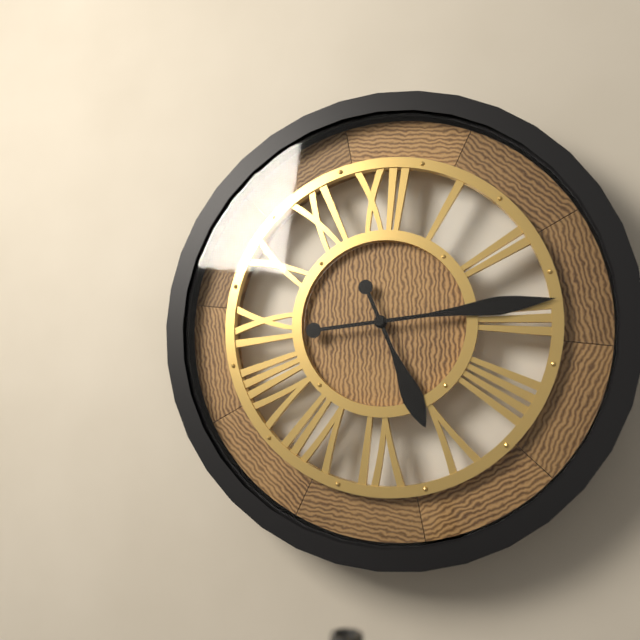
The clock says 5.14
